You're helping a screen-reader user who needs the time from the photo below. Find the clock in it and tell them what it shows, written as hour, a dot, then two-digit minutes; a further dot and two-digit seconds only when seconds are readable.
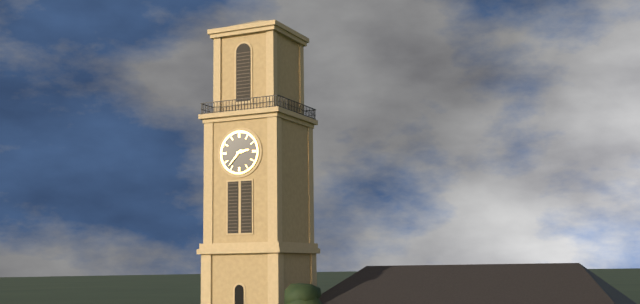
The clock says 2.37
